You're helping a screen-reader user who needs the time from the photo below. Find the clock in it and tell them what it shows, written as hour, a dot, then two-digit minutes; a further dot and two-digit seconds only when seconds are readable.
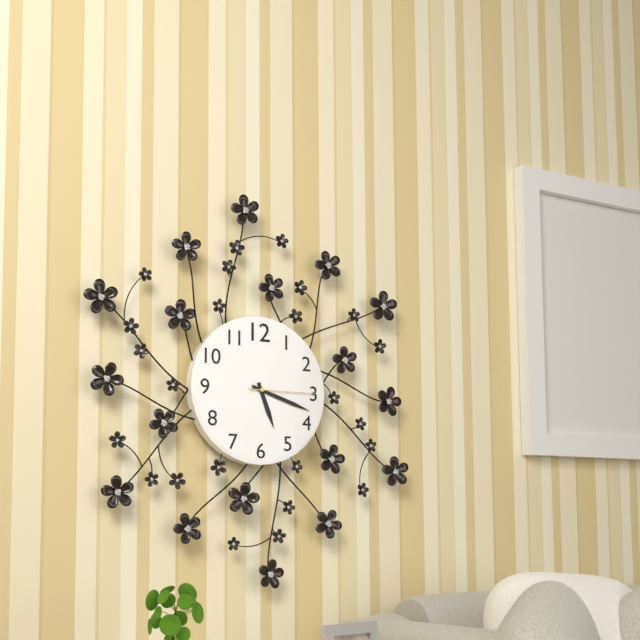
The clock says 5.18.15
